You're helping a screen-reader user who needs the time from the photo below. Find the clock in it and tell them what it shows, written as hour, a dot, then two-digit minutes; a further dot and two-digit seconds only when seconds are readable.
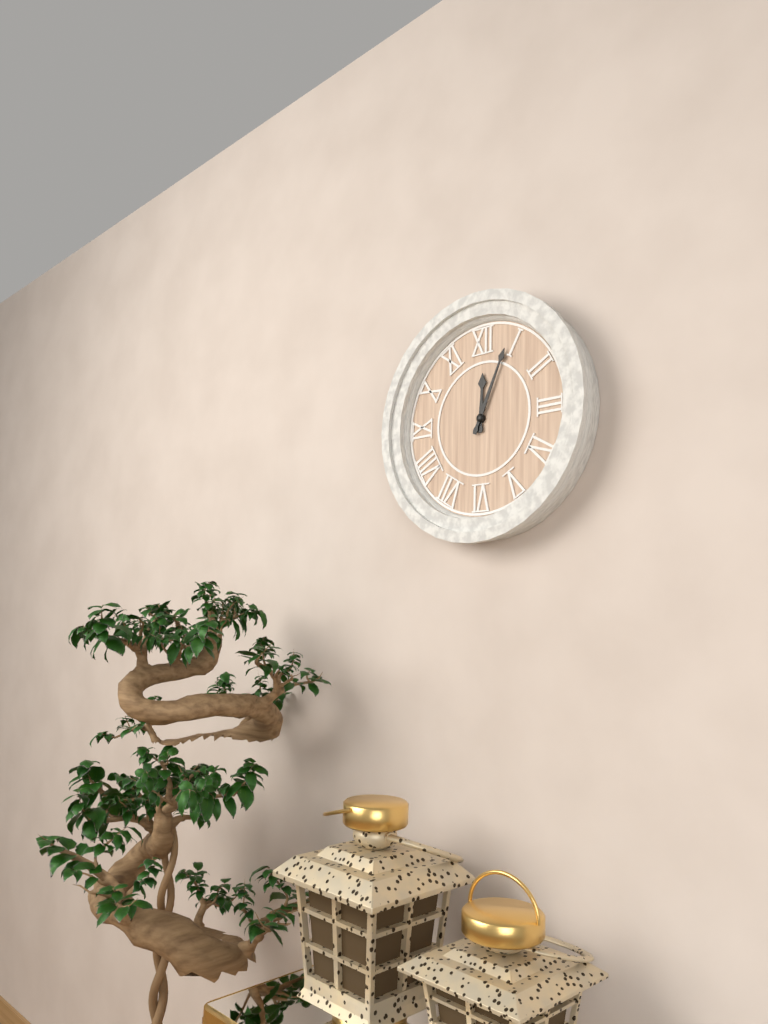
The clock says 12.04
